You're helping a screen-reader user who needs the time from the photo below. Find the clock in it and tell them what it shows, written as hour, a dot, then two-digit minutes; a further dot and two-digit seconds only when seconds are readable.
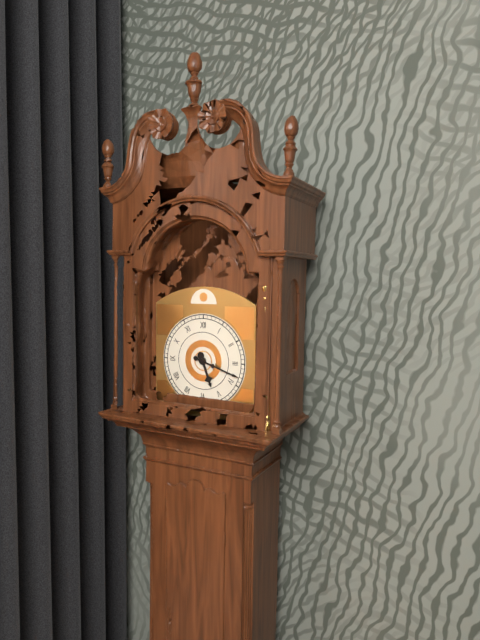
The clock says 5.18
